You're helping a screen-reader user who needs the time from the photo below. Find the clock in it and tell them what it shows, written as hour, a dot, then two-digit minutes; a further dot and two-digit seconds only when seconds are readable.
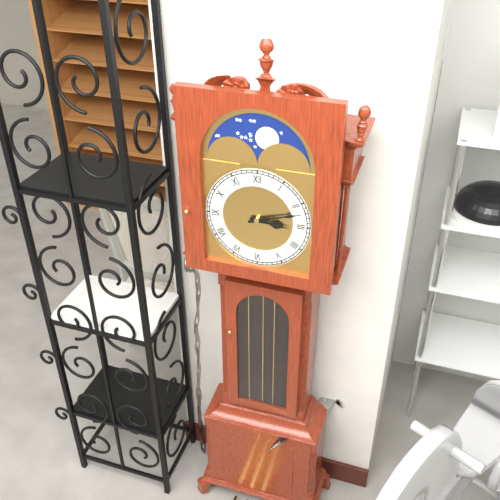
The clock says 3.12
